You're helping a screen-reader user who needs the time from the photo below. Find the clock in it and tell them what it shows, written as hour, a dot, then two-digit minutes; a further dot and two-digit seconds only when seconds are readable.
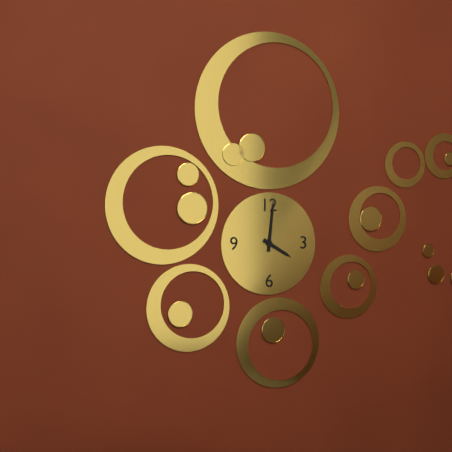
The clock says 4.01
